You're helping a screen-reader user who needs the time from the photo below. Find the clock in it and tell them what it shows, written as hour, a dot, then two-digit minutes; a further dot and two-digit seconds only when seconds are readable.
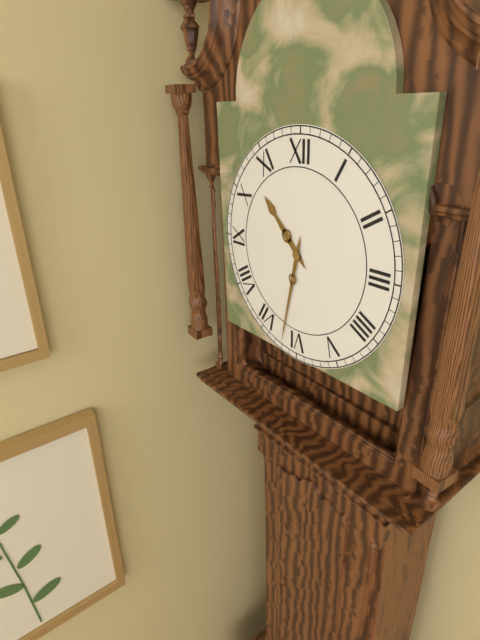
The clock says 10.32
